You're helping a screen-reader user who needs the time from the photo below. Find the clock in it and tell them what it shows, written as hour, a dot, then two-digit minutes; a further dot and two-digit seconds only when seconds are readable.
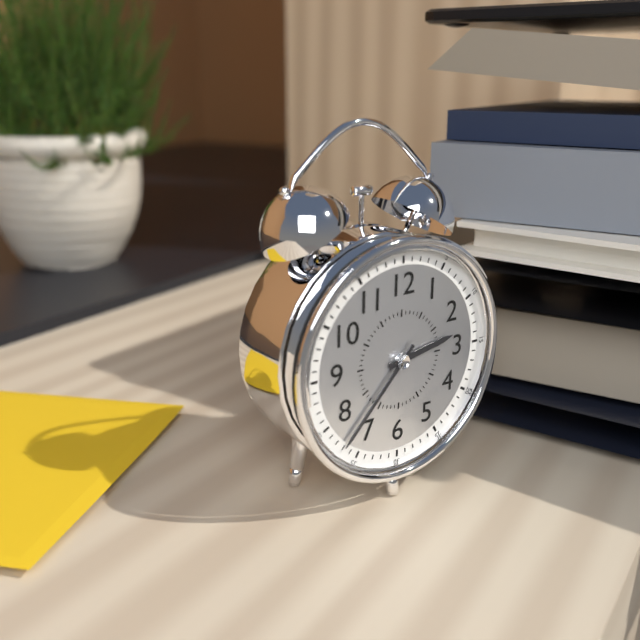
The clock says 2.37
